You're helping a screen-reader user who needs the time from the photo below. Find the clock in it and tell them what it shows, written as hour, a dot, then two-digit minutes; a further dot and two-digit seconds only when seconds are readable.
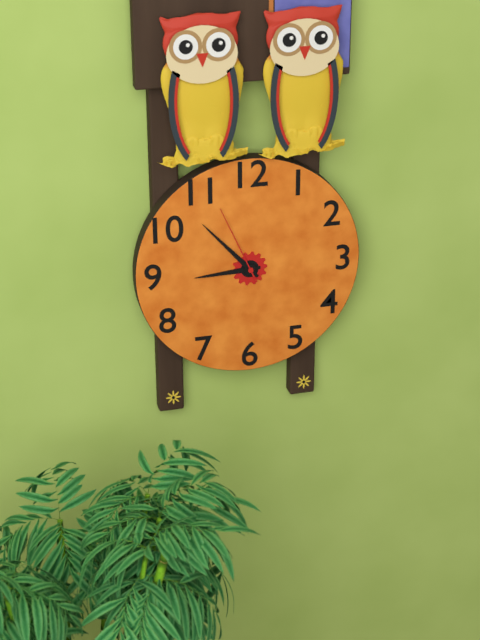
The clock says 8.53.56
